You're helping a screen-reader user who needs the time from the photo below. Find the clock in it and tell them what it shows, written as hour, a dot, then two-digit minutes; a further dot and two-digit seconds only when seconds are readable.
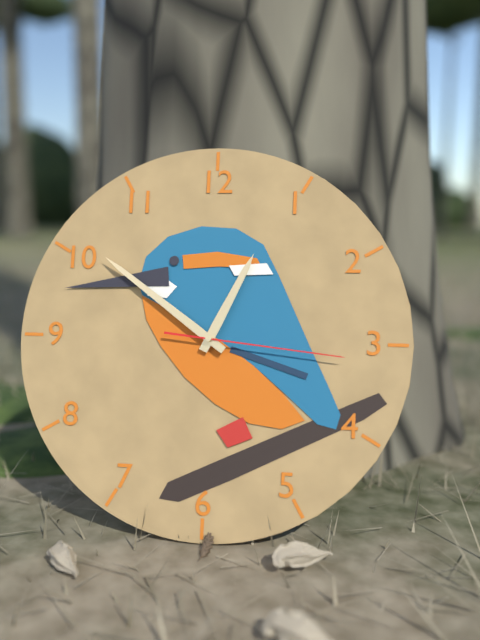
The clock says 12.51.16
